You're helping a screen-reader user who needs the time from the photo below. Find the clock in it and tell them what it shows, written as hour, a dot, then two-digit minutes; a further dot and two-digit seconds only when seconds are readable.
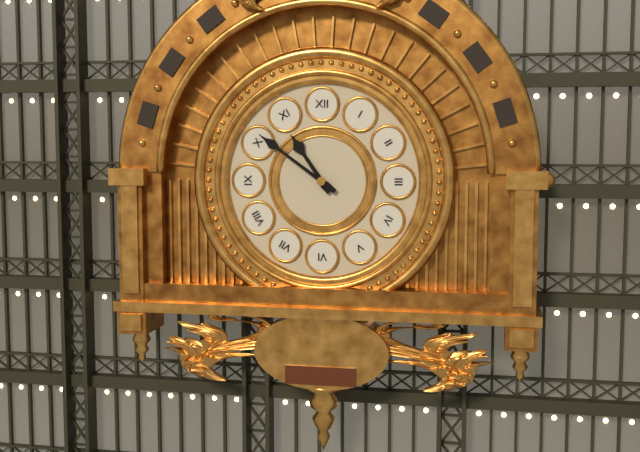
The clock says 10.51
